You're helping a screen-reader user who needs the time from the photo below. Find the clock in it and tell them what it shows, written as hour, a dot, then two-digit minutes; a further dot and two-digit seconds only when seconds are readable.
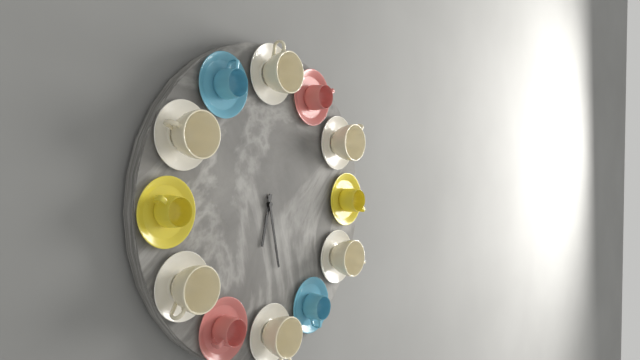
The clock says 6.28
